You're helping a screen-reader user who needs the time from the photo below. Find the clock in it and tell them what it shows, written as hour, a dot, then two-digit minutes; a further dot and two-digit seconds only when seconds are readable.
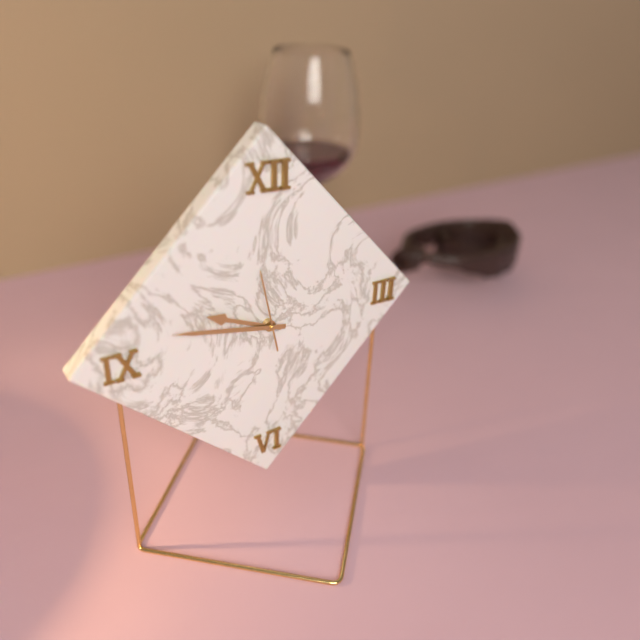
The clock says 9.47.58
